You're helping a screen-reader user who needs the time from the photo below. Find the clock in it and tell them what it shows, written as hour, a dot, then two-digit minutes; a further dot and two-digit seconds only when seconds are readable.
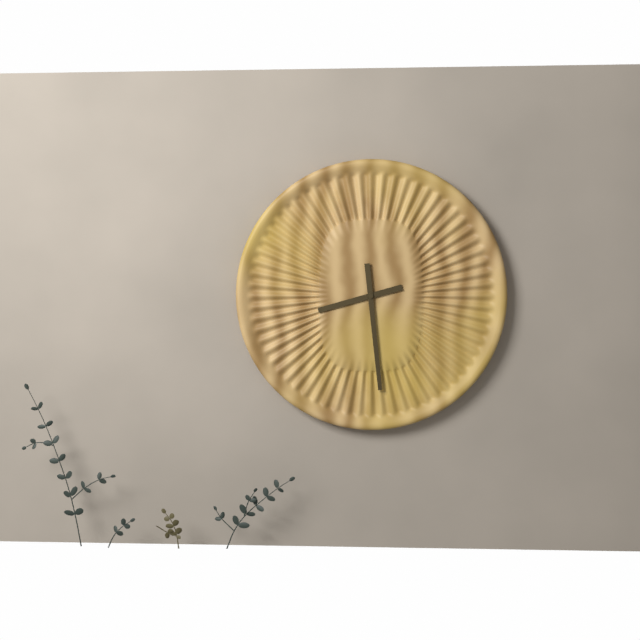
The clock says 8.29
